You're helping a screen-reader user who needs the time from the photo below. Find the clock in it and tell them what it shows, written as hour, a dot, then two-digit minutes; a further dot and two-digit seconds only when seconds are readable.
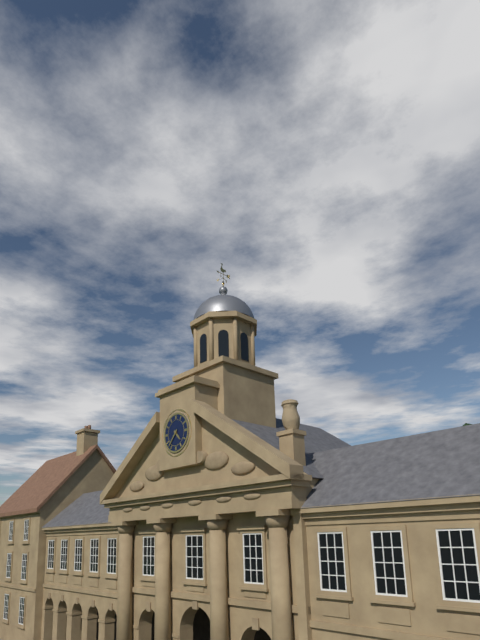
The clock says 4.37
